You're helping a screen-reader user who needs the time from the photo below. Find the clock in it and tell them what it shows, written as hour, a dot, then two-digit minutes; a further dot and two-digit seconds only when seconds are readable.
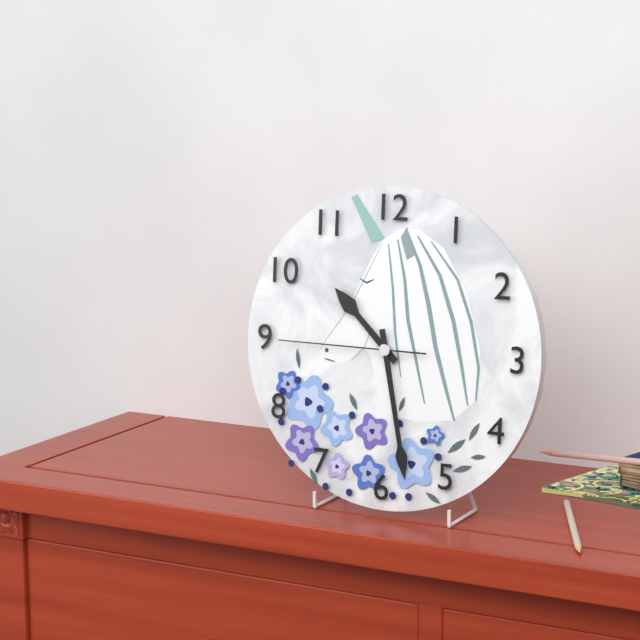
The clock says 10.28.45
